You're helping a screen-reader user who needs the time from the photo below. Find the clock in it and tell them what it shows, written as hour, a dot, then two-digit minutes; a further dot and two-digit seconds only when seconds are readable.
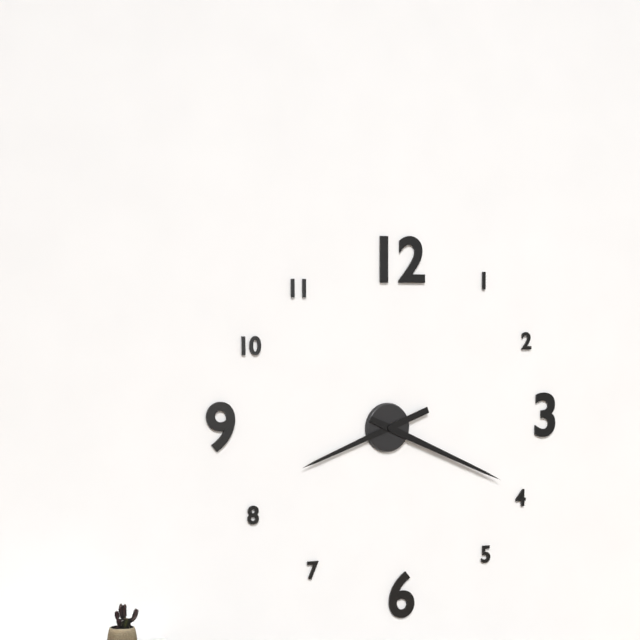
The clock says 8.19
